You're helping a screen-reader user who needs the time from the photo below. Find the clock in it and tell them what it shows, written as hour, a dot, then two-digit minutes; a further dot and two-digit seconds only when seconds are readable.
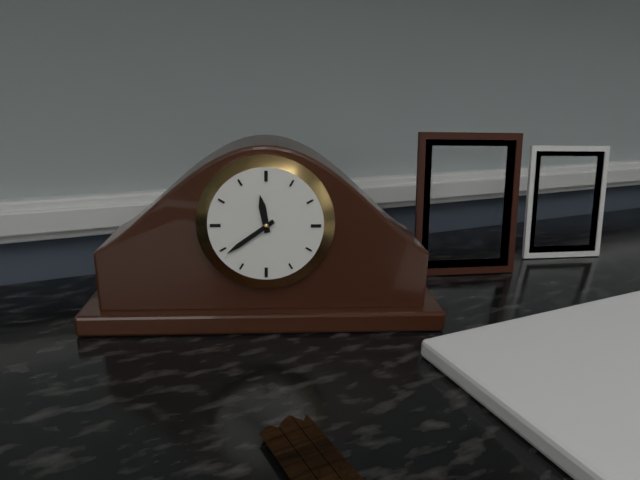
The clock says 11.39
